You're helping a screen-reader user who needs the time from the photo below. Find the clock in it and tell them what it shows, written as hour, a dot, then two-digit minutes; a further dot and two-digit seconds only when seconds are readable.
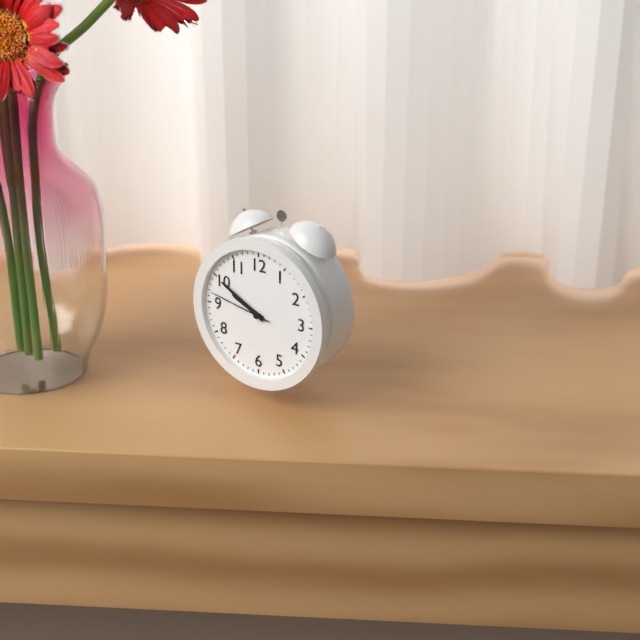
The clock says 9.50.47
